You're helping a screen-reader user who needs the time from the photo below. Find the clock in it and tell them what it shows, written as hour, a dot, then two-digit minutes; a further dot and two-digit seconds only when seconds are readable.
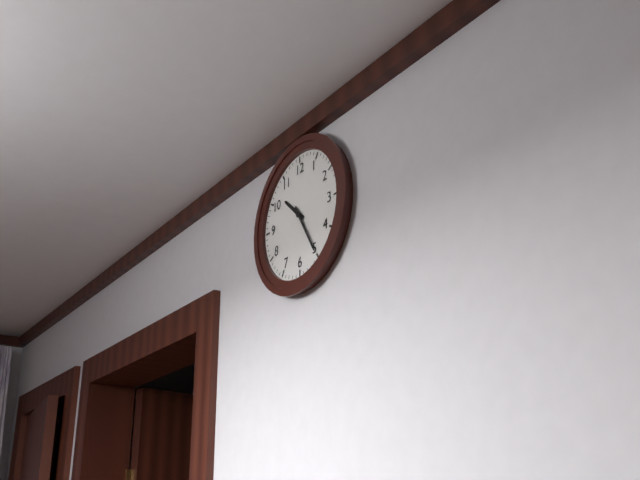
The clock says 10.25
